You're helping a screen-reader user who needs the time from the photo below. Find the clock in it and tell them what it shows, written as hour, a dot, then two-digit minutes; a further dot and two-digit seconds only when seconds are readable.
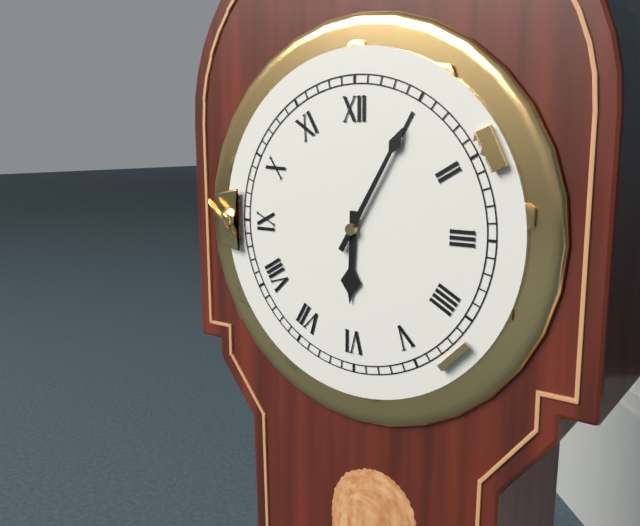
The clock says 6.05
